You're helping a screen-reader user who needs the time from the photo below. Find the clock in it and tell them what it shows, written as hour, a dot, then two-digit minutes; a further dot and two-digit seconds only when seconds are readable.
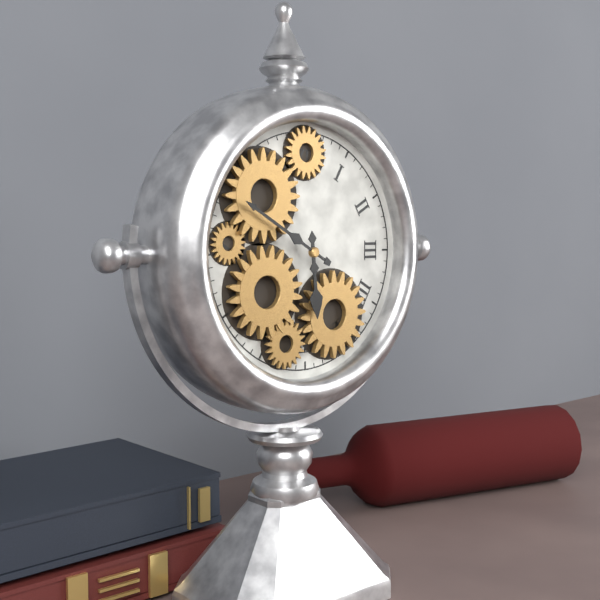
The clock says 5.50
